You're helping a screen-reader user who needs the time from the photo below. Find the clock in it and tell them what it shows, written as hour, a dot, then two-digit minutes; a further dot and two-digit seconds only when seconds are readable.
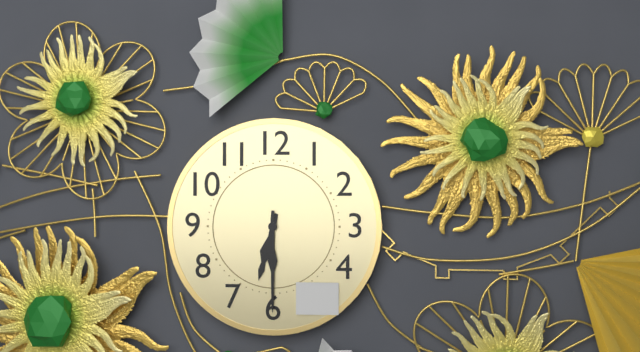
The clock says 6.30
